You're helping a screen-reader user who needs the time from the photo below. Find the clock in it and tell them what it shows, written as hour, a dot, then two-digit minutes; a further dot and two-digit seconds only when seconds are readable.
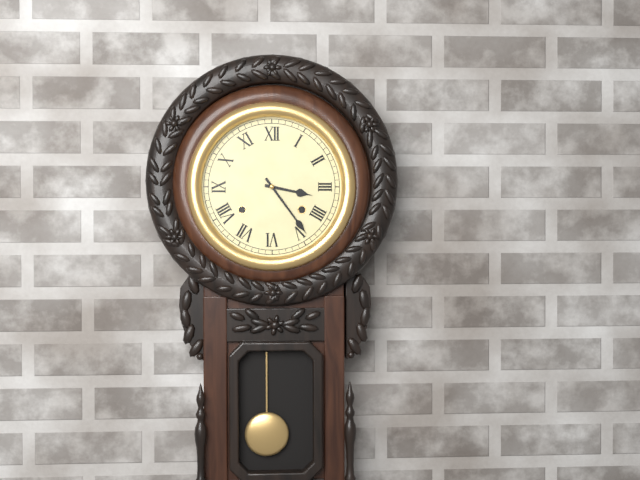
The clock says 3.24
